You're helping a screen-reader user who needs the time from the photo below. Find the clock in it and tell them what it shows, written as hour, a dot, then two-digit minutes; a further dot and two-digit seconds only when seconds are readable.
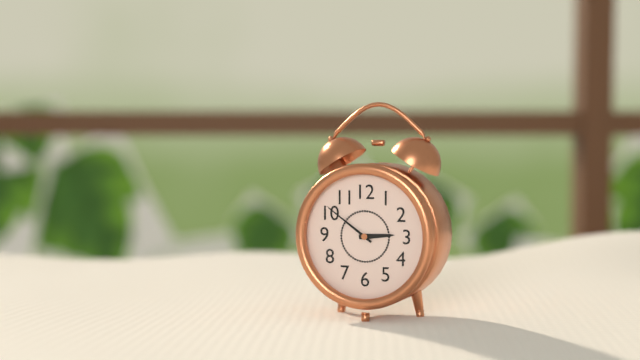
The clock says 2.51
